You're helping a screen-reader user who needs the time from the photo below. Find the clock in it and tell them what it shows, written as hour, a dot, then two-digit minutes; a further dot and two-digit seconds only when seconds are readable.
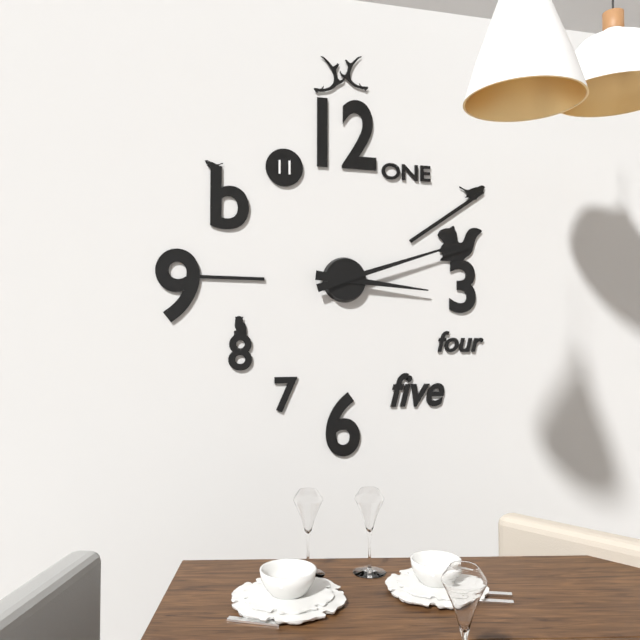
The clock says 3.12
